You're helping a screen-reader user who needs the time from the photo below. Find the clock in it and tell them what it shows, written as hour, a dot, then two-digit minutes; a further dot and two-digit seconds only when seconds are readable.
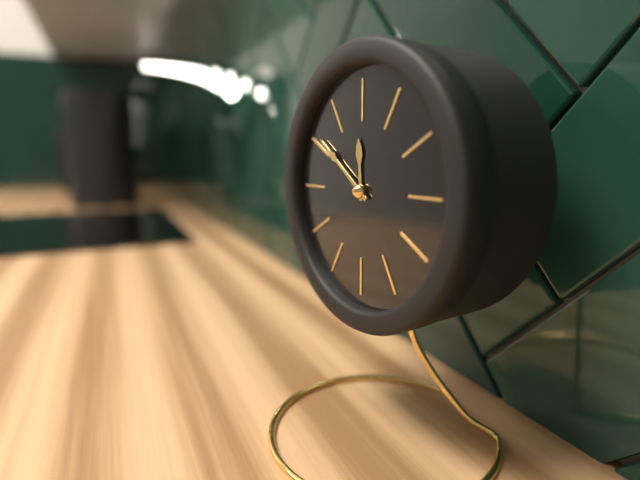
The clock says 11.51
